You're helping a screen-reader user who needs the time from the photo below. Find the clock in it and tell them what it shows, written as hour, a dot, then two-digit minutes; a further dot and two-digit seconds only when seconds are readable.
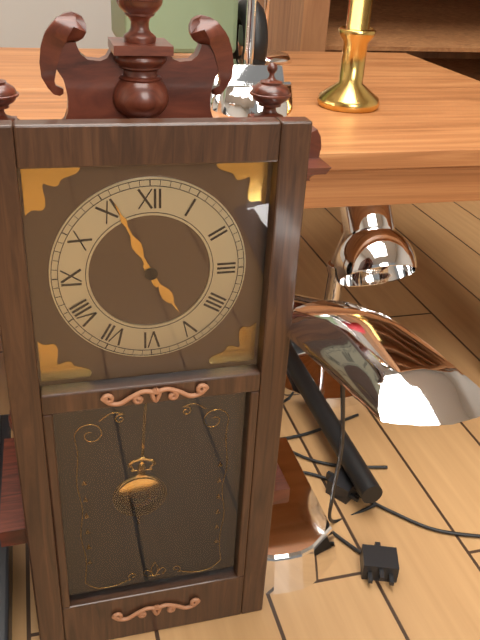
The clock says 4.56
